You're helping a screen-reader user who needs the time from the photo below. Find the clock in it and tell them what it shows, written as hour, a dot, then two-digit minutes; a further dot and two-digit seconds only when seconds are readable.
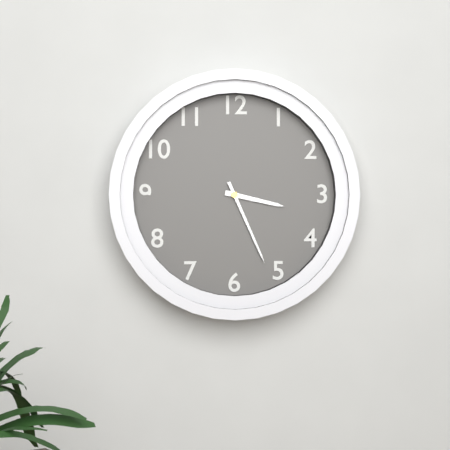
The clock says 3.26
